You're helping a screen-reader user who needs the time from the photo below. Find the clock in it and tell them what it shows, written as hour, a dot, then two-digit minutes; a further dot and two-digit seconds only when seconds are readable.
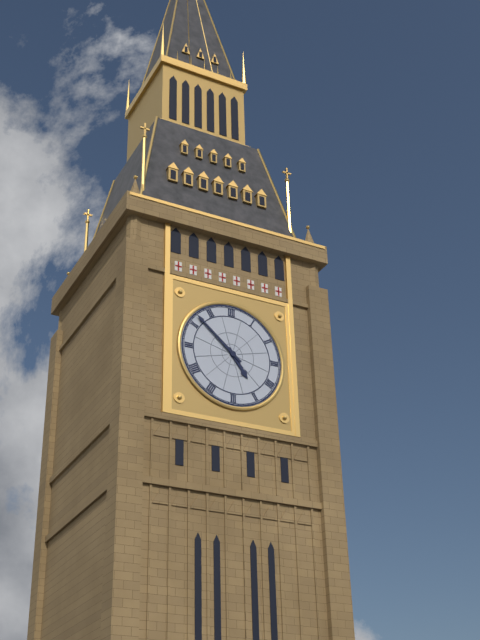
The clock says 4.52
